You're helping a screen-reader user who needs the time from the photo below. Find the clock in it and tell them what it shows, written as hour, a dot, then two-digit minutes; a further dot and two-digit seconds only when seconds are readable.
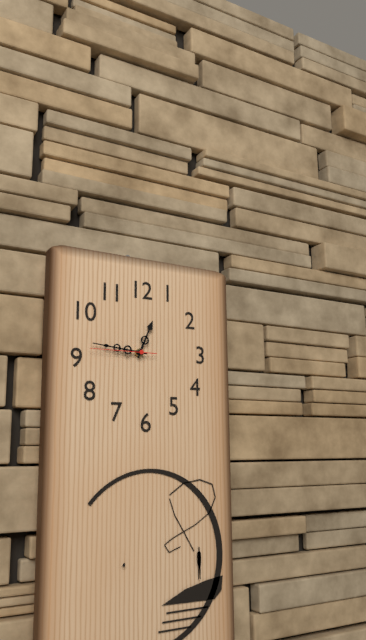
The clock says 12.46.45
